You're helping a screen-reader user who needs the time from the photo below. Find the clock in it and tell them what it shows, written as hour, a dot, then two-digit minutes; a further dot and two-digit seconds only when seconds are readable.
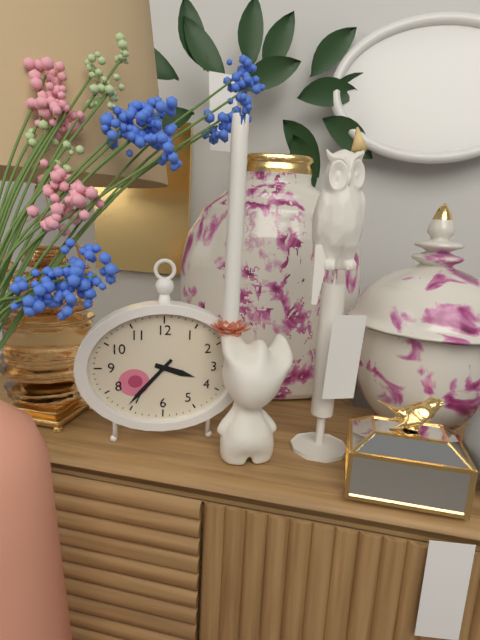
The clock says 3.37
